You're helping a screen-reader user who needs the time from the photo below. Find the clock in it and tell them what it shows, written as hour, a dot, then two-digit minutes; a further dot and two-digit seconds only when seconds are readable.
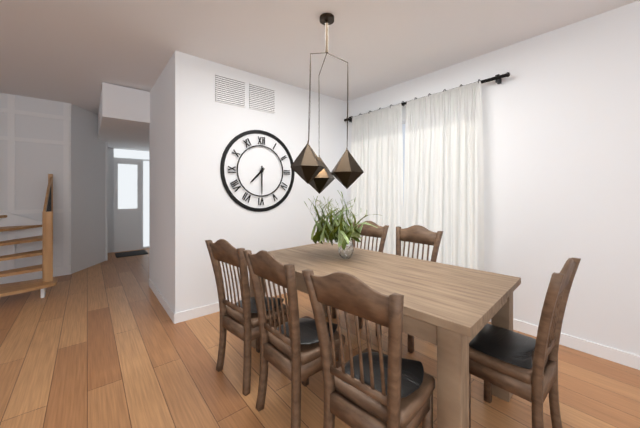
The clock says 7.30
